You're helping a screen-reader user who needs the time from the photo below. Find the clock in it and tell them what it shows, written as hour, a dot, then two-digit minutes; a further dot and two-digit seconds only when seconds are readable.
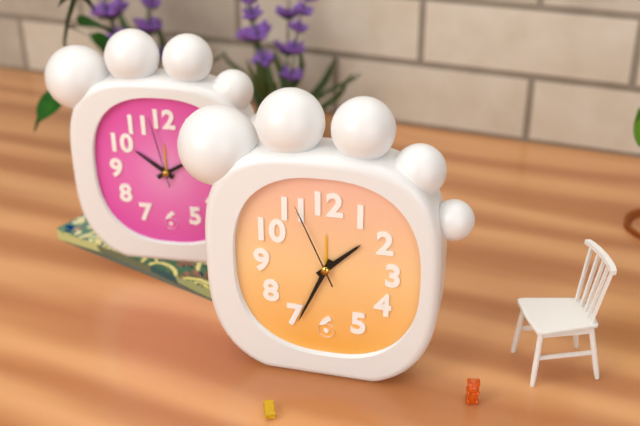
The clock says 1.34.56
